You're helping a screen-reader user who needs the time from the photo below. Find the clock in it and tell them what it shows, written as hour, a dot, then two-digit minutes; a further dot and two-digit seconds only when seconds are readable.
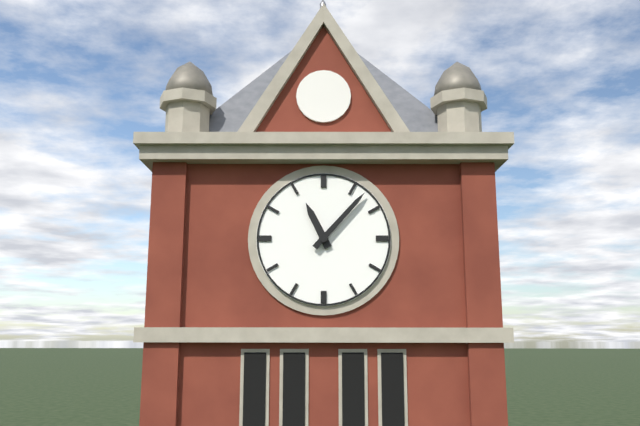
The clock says 11.07
